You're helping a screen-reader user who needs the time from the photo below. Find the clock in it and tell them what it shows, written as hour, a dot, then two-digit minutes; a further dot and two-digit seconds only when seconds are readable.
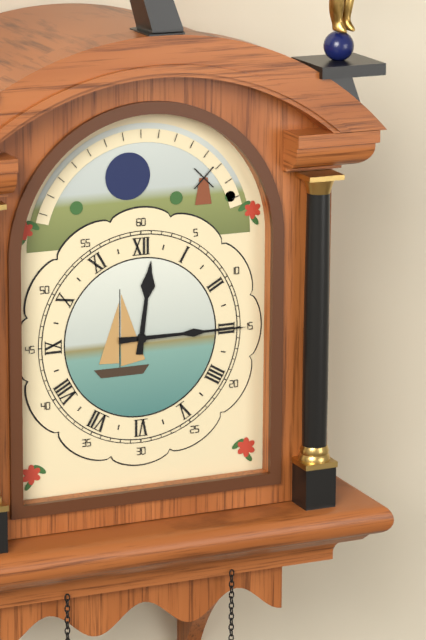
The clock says 12.15
